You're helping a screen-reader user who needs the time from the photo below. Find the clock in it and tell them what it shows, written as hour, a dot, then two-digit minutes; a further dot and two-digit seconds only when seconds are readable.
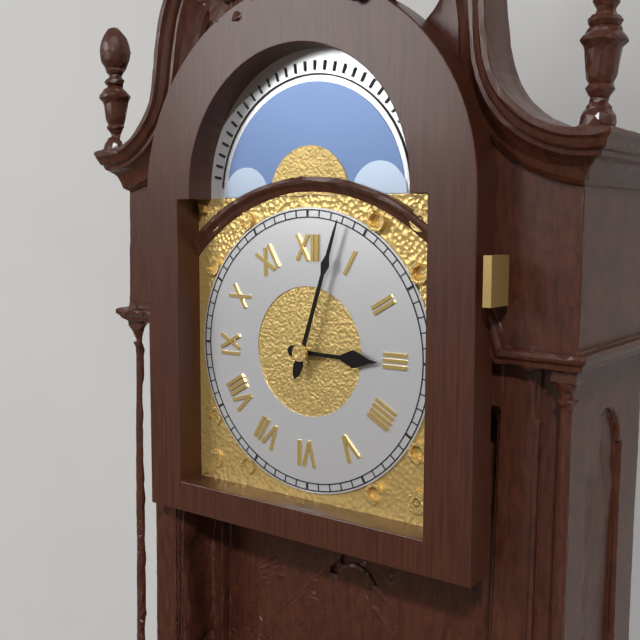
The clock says 3.03
